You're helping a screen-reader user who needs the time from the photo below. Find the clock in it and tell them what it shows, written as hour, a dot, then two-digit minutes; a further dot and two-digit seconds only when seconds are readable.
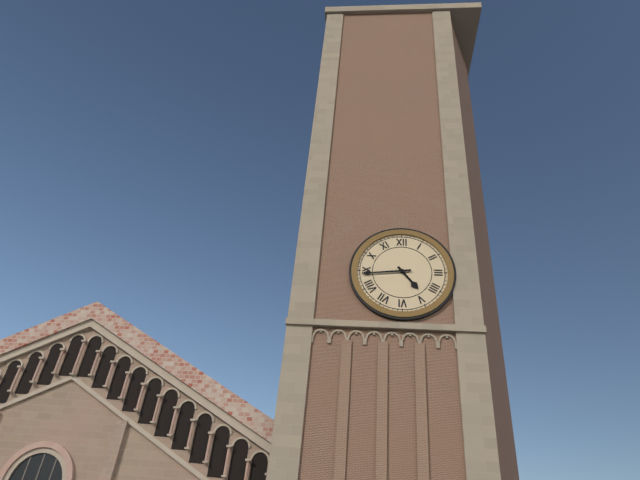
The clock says 4.44
